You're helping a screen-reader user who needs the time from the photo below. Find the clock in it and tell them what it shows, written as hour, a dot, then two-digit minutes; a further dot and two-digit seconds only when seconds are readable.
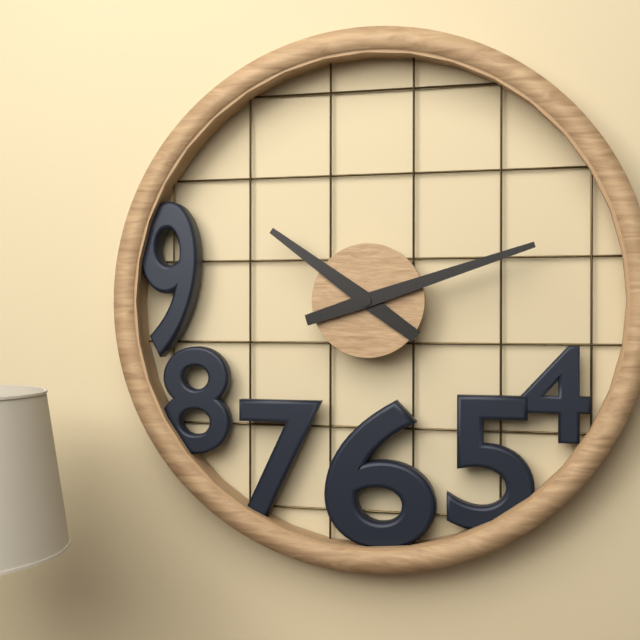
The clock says 10.12
